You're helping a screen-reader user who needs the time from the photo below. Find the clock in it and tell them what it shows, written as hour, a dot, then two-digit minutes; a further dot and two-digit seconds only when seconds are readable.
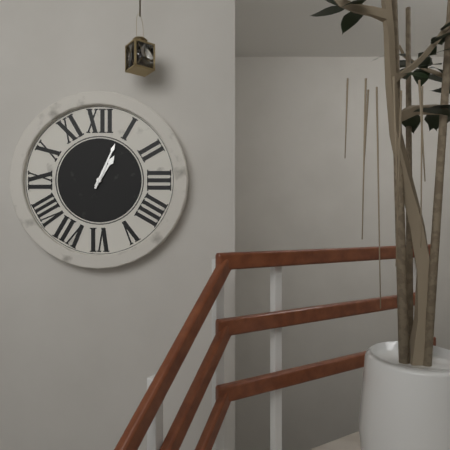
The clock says 1.04
